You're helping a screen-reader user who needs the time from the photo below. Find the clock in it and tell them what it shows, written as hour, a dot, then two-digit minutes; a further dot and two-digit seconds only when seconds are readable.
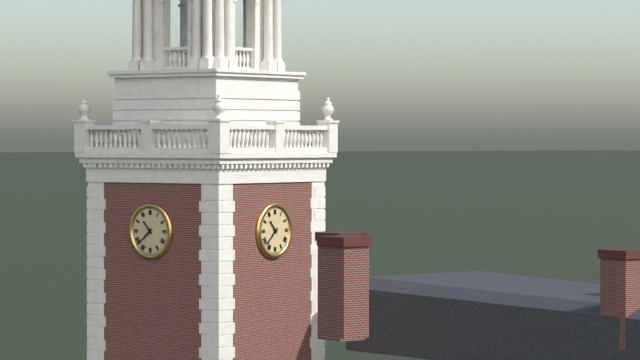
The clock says 10.38
